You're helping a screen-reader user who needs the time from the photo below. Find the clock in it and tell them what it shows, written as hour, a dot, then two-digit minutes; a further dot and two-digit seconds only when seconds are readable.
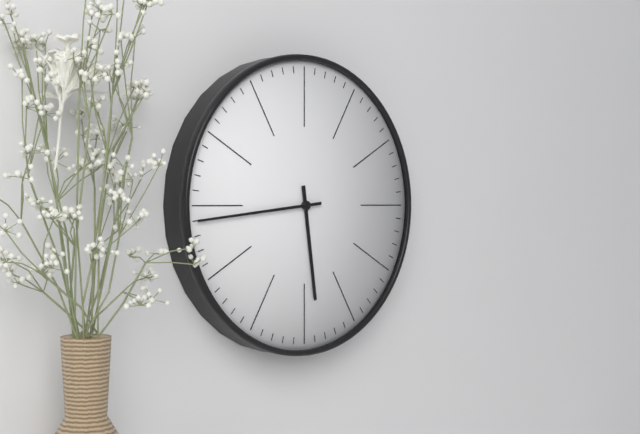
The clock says 5.44
